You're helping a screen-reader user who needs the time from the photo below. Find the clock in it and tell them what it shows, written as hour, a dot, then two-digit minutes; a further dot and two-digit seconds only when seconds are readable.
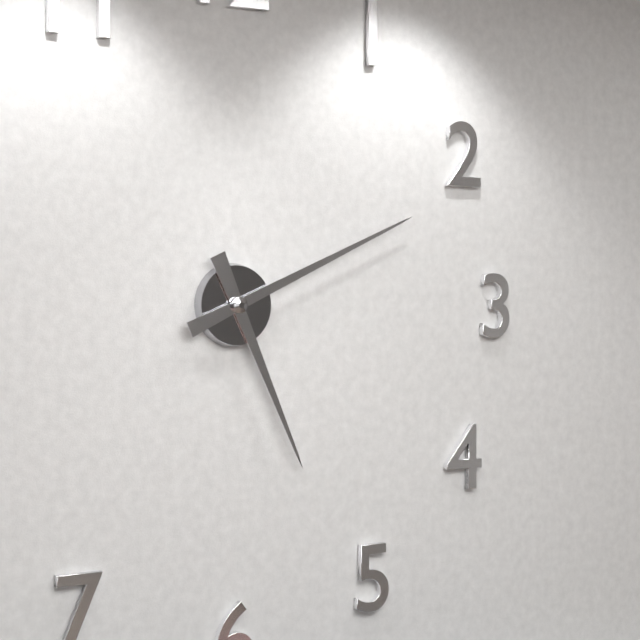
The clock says 5.11
